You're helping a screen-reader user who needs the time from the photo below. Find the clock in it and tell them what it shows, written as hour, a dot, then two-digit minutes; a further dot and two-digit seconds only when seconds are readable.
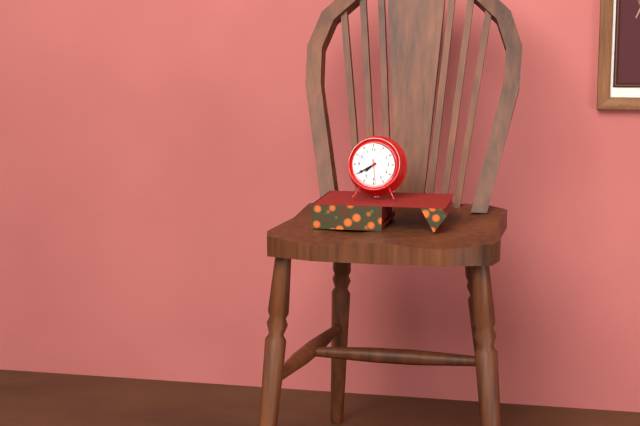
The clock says 7.40
